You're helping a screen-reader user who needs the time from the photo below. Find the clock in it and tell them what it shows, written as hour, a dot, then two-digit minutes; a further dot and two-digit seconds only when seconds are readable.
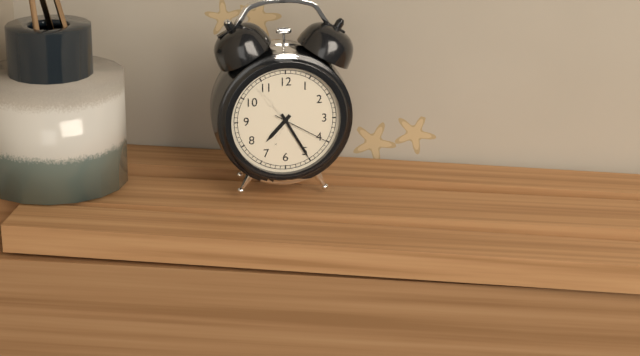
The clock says 7.25.20
